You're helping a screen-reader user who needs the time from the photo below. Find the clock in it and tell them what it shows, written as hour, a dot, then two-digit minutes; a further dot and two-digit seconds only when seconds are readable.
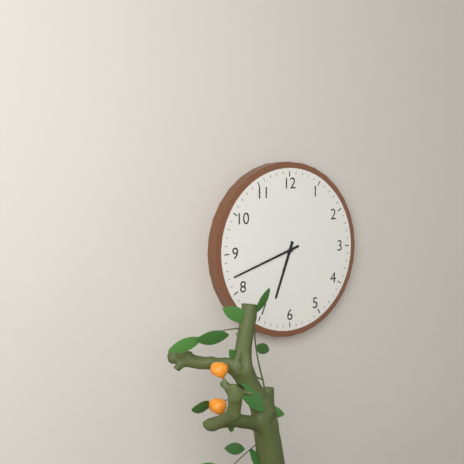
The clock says 6.42
